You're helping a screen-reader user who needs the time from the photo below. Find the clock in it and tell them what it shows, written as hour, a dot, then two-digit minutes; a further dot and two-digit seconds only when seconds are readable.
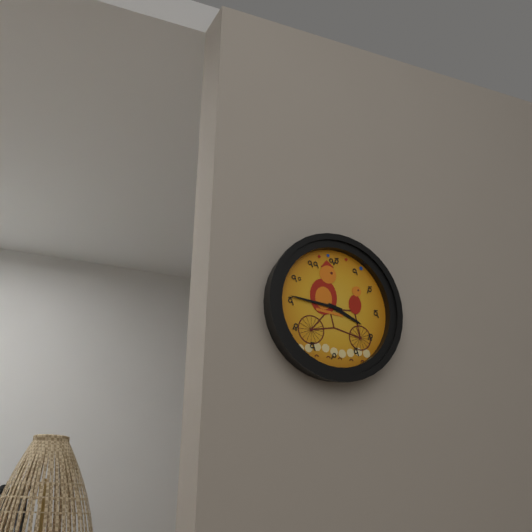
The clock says 3.46
